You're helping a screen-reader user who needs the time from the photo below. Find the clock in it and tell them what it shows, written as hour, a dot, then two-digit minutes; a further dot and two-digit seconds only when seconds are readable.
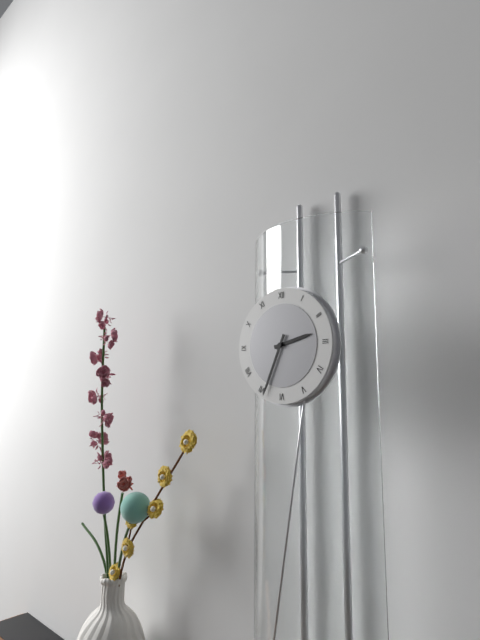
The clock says 2.34
